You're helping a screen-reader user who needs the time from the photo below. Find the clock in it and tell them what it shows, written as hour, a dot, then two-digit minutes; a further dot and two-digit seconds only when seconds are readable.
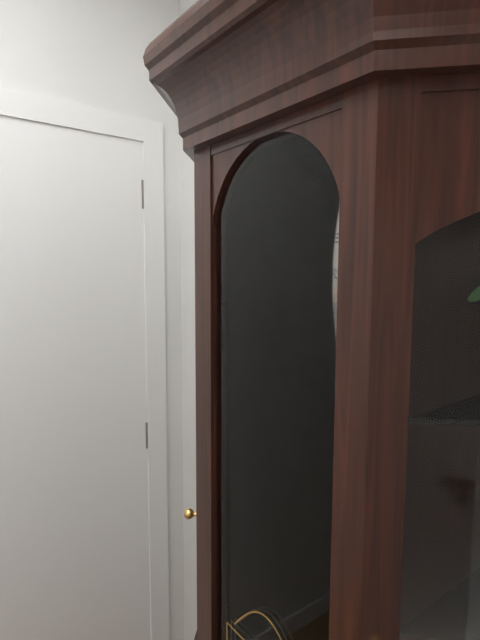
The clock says 9.23
